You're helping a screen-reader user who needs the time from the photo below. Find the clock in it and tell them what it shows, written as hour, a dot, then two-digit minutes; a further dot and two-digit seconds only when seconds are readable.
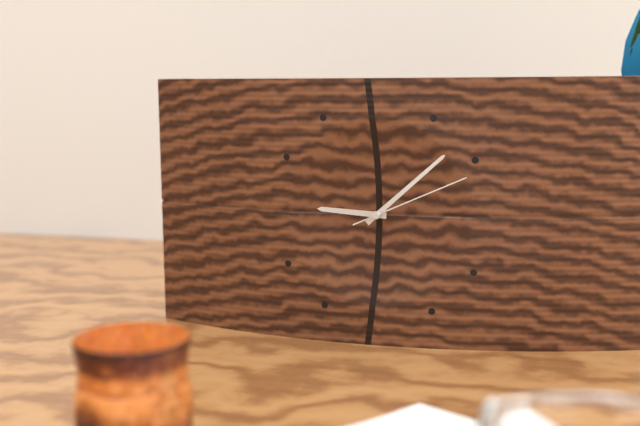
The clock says 9.08.11
